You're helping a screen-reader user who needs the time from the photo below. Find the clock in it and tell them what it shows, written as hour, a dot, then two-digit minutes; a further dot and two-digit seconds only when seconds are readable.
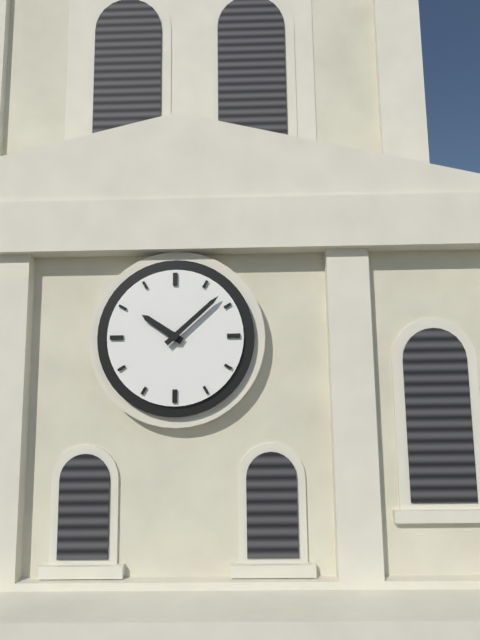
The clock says 10.08
